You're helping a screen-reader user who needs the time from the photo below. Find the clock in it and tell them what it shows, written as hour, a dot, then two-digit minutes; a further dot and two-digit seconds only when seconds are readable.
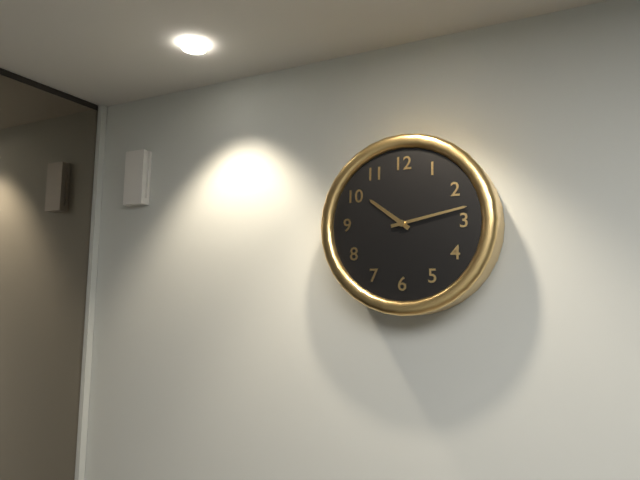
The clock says 10.13
